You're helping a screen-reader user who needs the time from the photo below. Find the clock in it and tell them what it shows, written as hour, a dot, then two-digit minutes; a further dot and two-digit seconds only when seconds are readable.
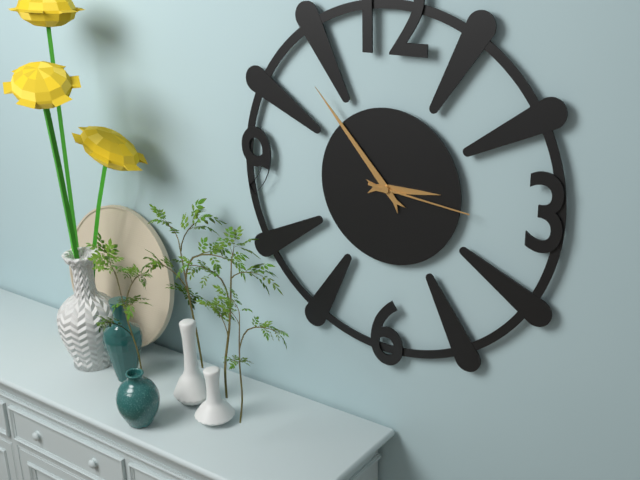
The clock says 2.53.16
